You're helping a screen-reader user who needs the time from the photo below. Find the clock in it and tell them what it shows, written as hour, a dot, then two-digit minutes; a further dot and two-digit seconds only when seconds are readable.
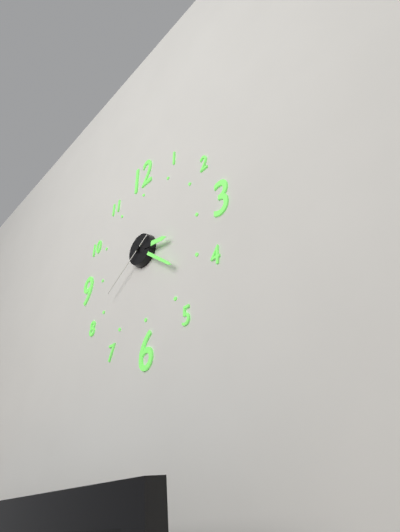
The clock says 3.22.40
